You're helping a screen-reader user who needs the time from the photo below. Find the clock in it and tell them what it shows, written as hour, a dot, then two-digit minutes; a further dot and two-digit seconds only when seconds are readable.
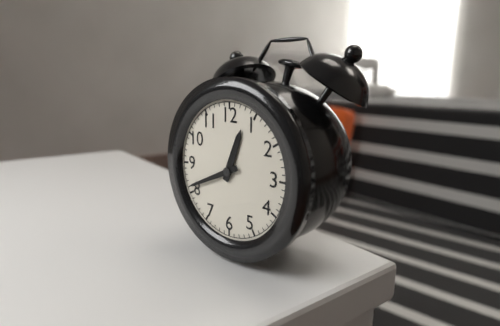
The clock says 12.41
